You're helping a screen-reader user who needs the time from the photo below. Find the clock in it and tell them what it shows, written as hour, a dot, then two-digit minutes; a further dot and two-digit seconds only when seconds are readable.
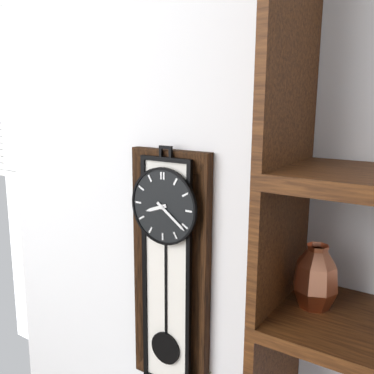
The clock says 8.21
